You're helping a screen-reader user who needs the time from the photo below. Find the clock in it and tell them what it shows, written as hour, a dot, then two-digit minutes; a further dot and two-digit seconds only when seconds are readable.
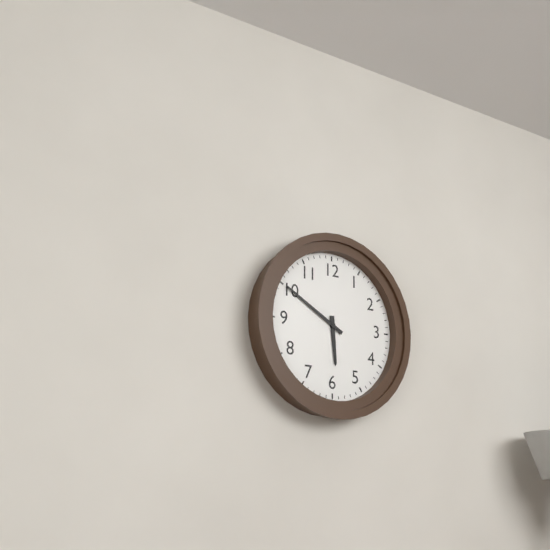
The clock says 5.50
